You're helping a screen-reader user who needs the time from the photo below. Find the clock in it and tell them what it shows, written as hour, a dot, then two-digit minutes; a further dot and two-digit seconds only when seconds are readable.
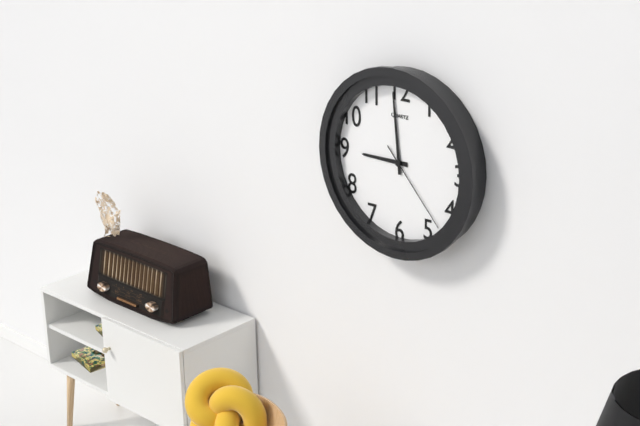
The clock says 8.59.23
